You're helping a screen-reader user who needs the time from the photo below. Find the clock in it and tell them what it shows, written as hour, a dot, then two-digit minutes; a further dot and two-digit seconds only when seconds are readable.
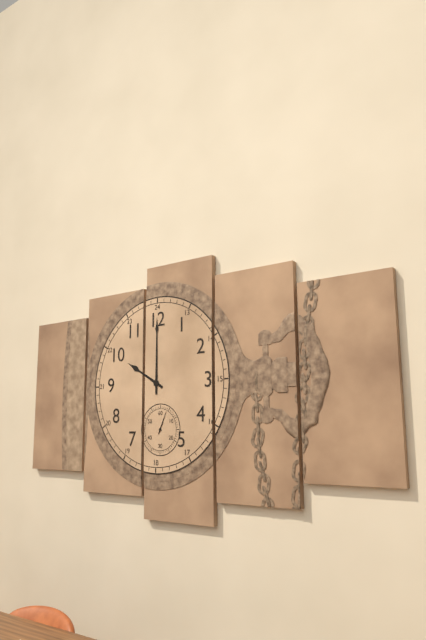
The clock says 10.00
